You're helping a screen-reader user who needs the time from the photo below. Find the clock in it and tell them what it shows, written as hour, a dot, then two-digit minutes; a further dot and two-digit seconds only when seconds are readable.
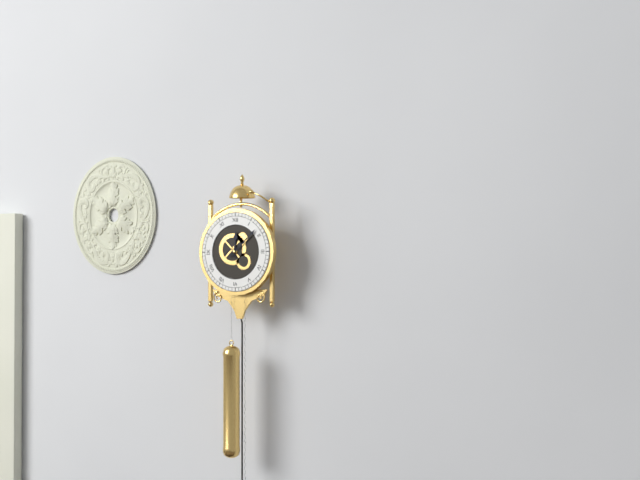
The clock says 12.08
